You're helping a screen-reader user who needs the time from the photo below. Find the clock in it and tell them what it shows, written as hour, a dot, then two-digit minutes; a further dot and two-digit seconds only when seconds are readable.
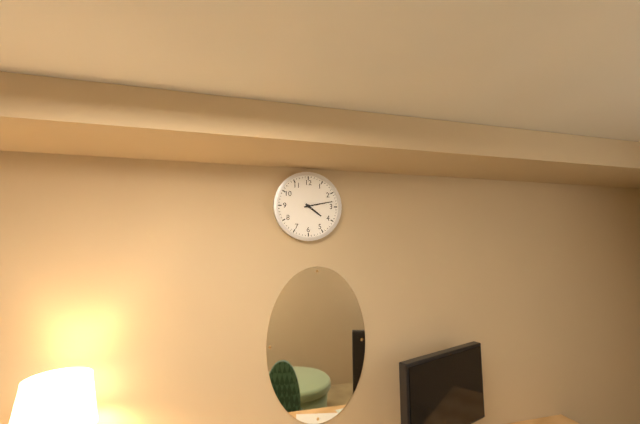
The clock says 4.13
